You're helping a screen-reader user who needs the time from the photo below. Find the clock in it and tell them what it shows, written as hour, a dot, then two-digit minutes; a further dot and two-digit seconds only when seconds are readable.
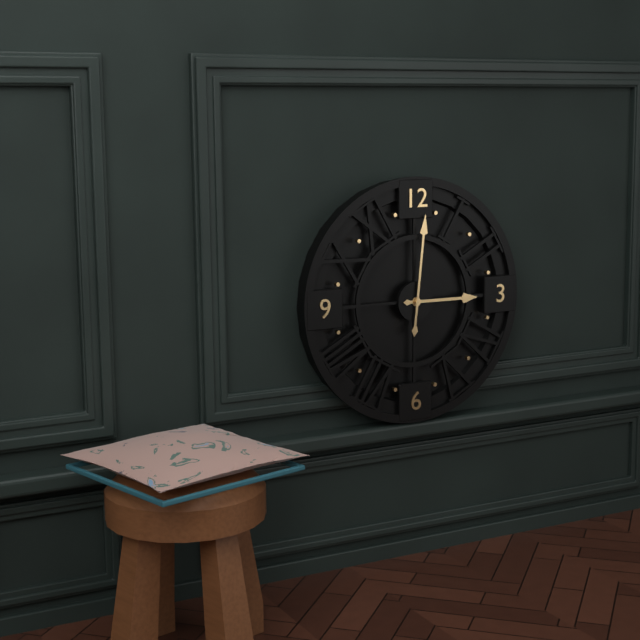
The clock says 3.01
